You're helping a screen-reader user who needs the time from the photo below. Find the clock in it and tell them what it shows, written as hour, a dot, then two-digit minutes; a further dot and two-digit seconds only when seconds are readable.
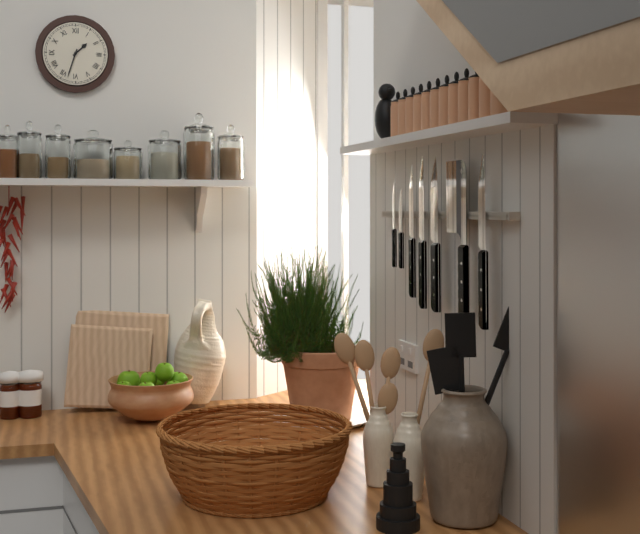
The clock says 1.33
